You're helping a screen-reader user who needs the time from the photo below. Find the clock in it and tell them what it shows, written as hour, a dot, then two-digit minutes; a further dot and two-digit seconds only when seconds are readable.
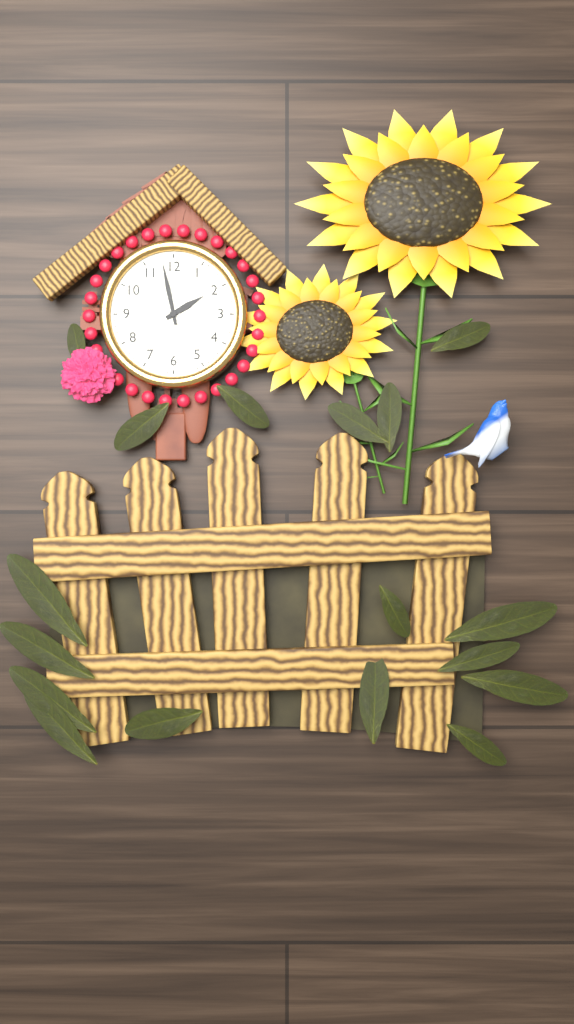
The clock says 1.58
